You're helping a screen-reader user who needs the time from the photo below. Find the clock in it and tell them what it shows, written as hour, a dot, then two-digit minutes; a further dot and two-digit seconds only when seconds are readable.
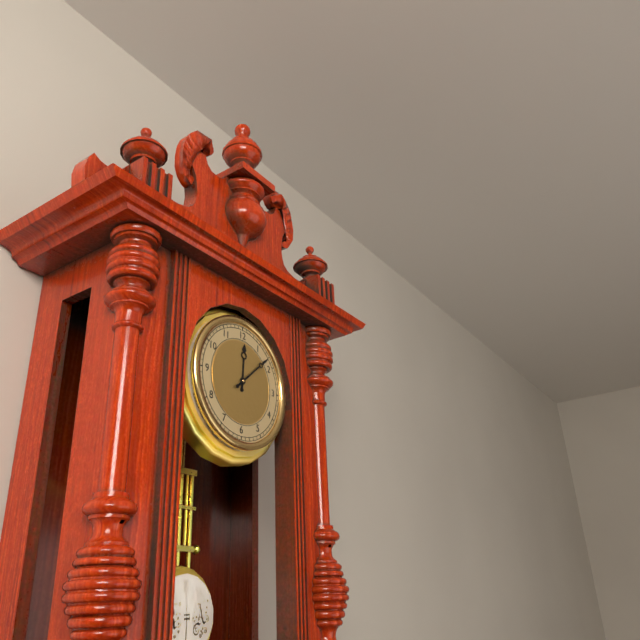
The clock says 12.08
